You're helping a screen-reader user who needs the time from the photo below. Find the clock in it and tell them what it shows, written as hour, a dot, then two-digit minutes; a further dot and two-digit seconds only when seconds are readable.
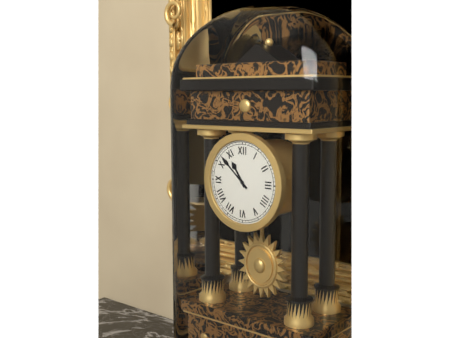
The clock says 10.52
